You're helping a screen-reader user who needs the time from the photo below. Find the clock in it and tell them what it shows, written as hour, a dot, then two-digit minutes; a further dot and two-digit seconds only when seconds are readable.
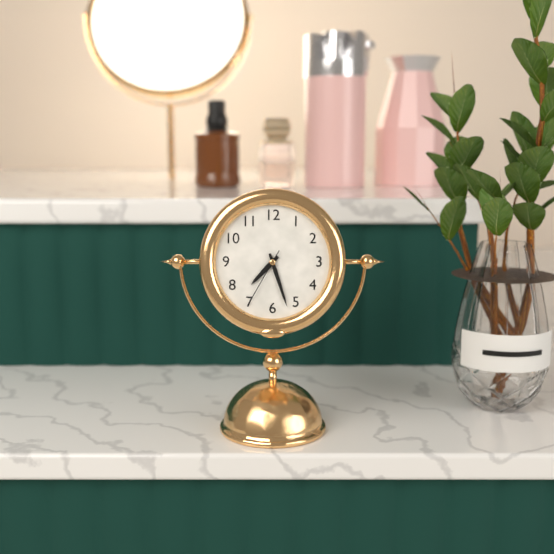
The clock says 7.27.35
